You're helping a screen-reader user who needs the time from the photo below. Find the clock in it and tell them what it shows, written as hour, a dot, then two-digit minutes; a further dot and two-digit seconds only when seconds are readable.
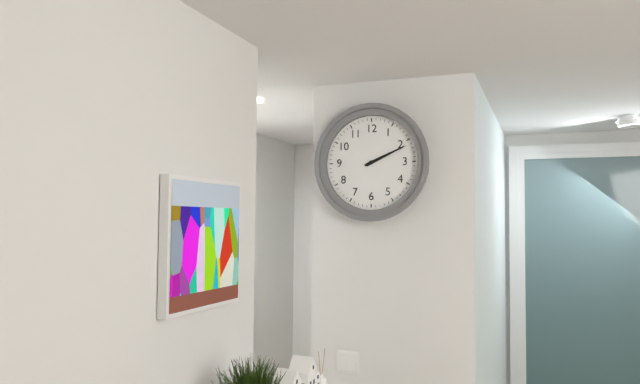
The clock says 2.11
